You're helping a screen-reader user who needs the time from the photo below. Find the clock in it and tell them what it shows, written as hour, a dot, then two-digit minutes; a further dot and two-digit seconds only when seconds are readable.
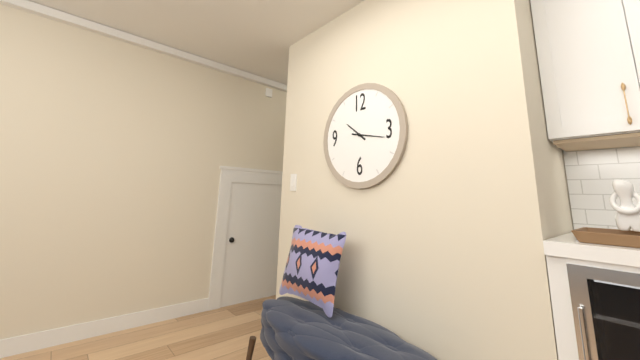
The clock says 10.17
